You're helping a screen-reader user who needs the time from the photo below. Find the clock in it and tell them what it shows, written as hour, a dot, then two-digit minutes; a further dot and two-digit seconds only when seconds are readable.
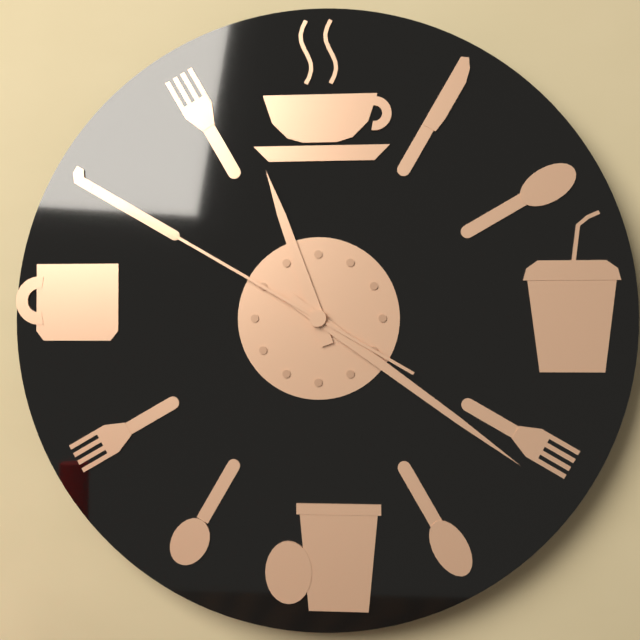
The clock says 11.21.50
